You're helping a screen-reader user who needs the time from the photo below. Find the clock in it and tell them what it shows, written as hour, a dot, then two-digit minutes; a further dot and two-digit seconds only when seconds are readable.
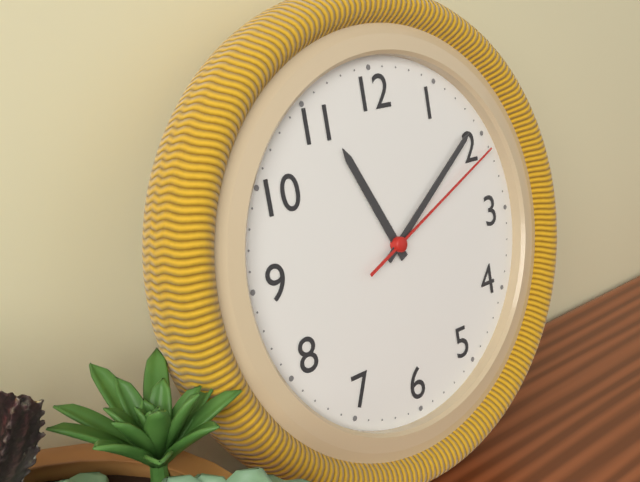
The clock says 11.09.11
